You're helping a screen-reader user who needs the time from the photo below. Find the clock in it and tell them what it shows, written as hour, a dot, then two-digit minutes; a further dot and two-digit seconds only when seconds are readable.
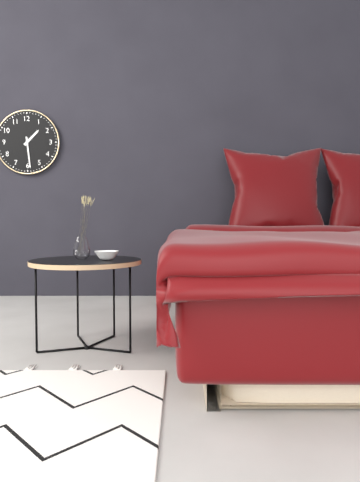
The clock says 1.29
